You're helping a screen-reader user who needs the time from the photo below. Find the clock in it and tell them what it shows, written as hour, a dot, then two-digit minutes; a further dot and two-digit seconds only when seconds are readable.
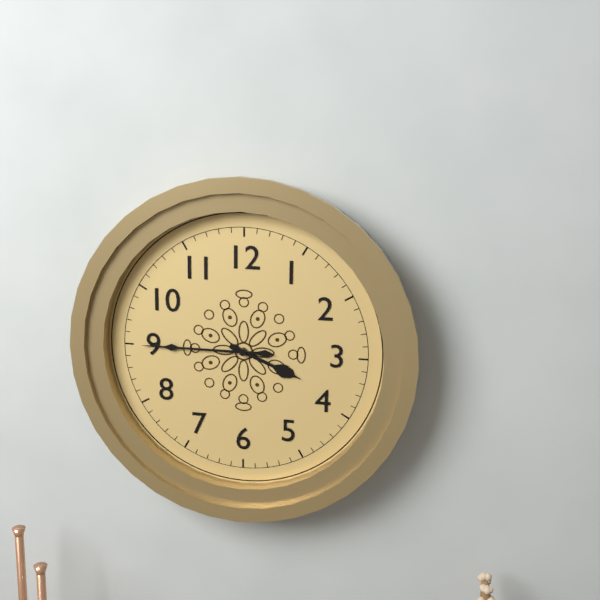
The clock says 3.45
